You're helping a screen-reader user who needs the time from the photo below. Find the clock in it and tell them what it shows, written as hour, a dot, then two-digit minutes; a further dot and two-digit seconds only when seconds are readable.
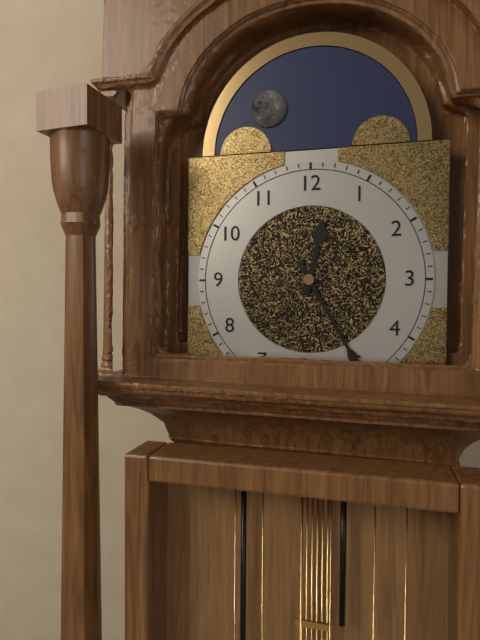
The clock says 12.25
